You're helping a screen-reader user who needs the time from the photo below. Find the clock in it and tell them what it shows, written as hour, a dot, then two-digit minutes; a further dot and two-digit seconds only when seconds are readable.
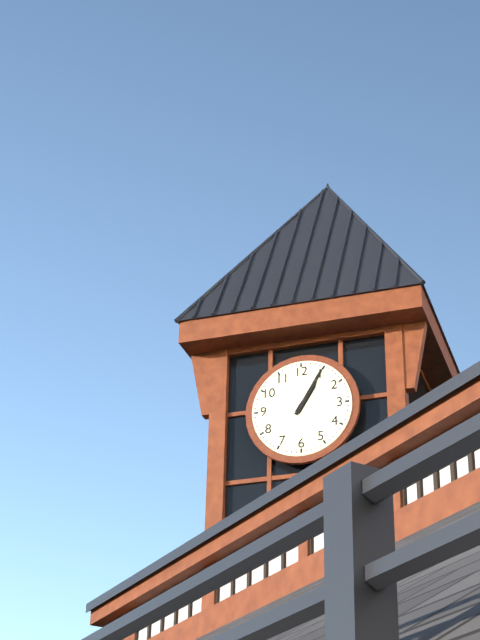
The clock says 1.05
